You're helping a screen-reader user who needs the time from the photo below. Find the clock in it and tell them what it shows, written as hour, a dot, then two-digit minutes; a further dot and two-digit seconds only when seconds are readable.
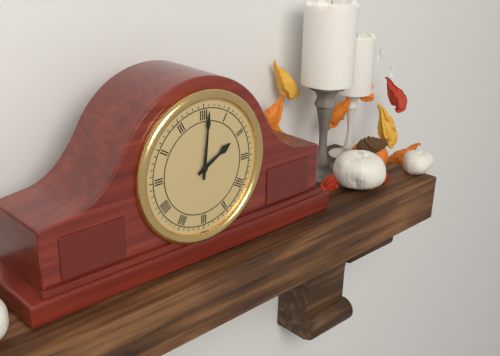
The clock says 2.01
